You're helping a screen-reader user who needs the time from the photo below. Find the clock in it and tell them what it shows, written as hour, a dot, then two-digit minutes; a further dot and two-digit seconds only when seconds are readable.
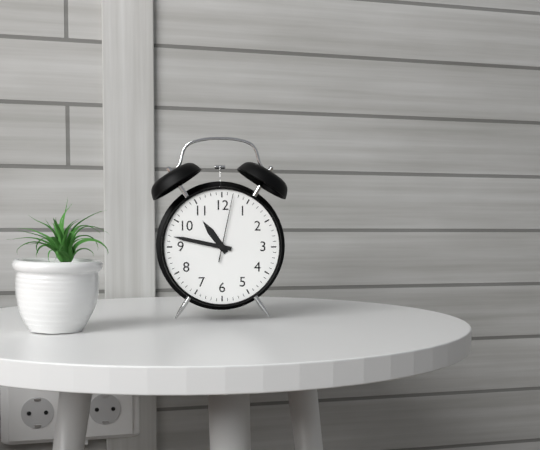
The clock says 10.47.02
